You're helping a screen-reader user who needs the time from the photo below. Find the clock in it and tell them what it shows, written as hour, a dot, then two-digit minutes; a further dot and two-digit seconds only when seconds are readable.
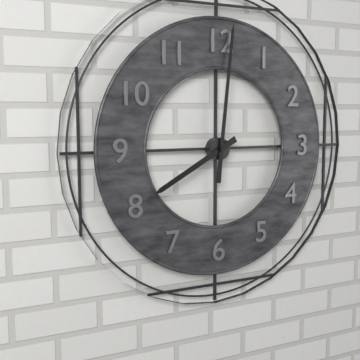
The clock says 8.01
